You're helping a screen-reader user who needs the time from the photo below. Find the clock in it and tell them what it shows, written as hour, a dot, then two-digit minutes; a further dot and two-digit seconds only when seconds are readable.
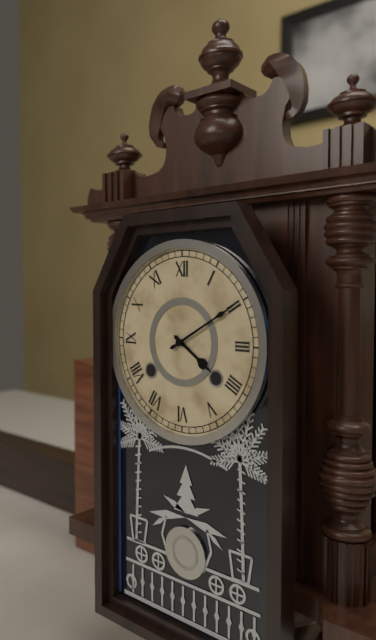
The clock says 4.10
